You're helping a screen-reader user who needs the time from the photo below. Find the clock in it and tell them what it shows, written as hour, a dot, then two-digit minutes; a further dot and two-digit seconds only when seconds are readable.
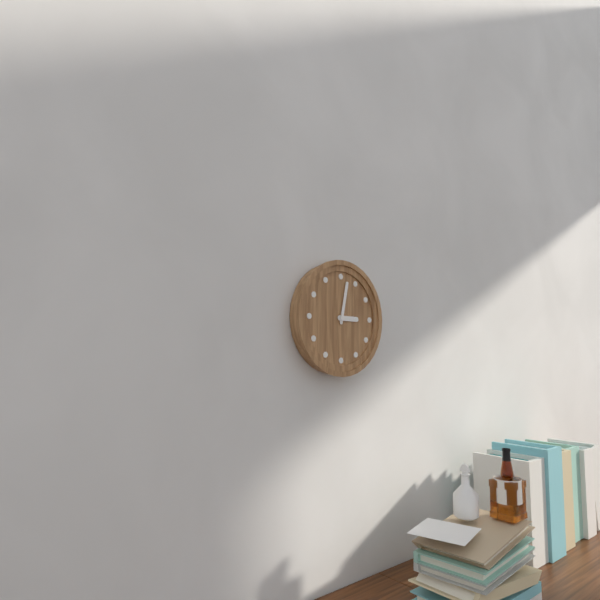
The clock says 3.02
